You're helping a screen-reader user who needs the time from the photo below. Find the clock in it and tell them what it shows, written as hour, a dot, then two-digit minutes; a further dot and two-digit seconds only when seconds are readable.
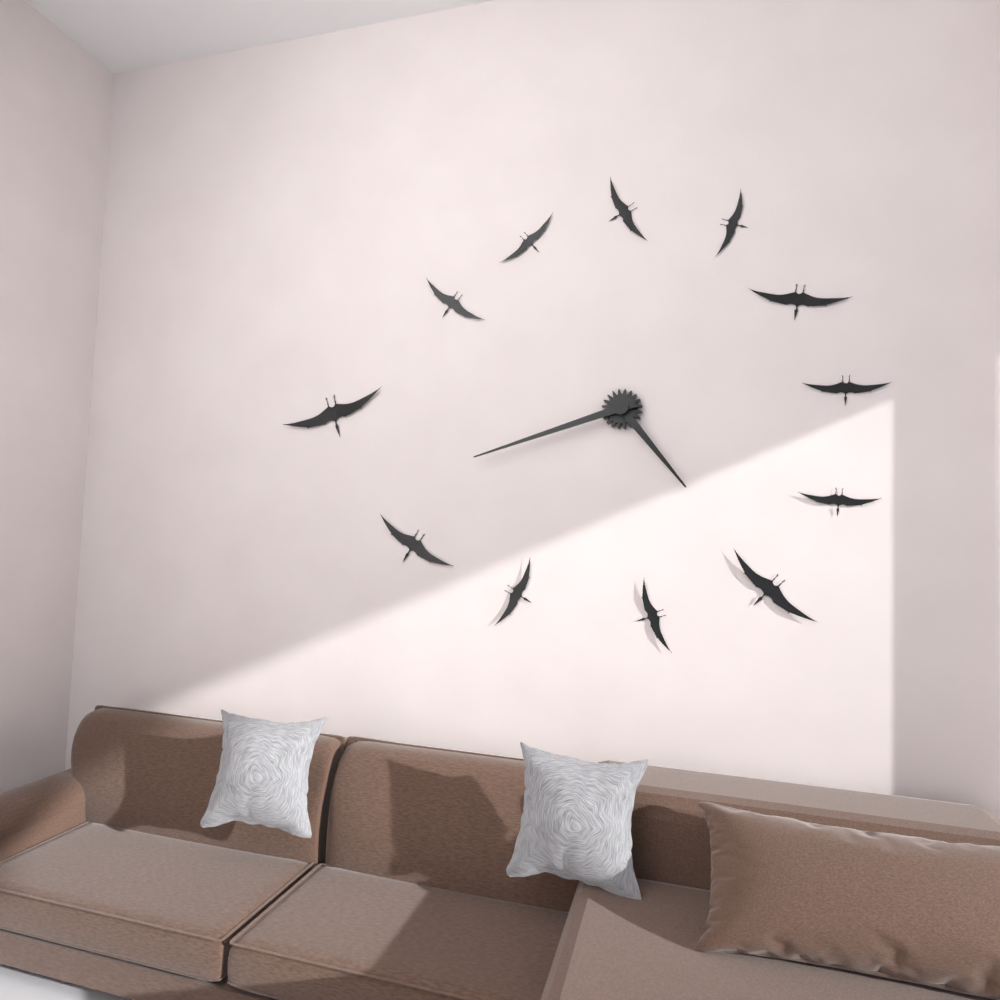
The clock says 4.42
